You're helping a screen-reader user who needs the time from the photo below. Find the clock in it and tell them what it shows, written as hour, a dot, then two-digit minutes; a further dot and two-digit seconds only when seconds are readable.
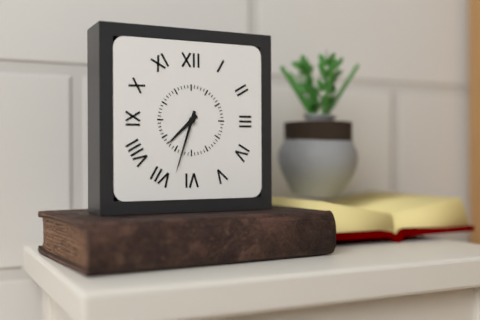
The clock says 7.33
